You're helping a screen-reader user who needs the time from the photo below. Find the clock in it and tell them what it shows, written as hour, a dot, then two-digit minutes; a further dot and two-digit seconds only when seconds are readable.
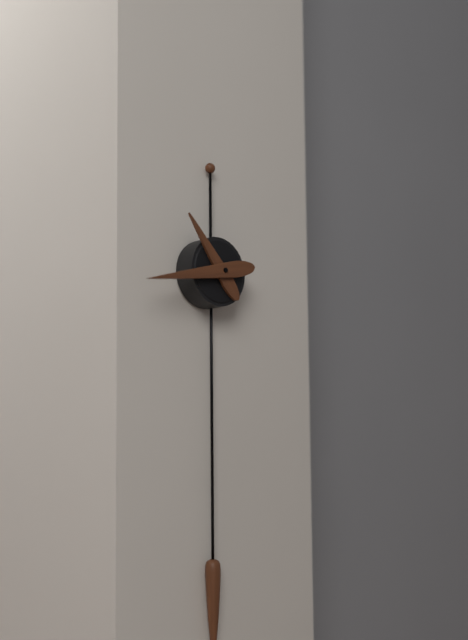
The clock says 10.43
